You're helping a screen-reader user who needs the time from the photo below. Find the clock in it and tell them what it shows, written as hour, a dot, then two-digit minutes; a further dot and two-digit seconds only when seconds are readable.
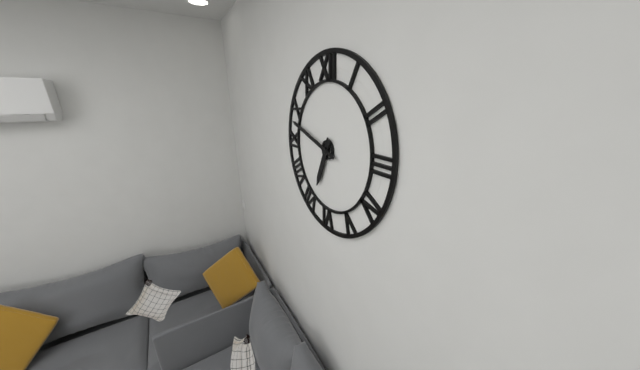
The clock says 6.48
